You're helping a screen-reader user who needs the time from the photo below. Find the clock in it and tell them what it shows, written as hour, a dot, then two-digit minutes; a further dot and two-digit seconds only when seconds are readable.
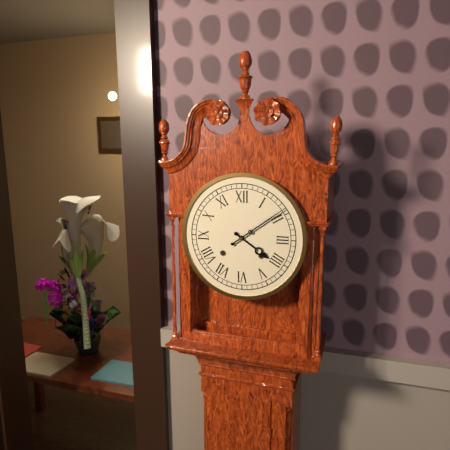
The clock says 4.09
